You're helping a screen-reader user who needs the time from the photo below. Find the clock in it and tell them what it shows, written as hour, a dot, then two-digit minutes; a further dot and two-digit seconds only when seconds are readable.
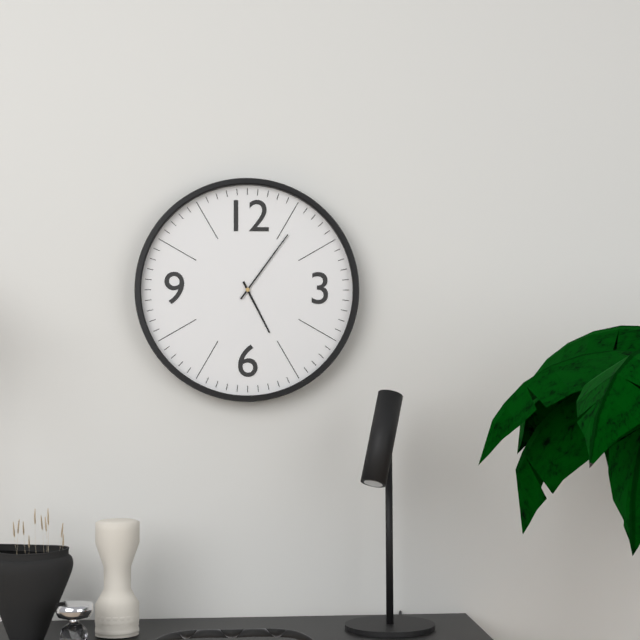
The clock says 5.06
